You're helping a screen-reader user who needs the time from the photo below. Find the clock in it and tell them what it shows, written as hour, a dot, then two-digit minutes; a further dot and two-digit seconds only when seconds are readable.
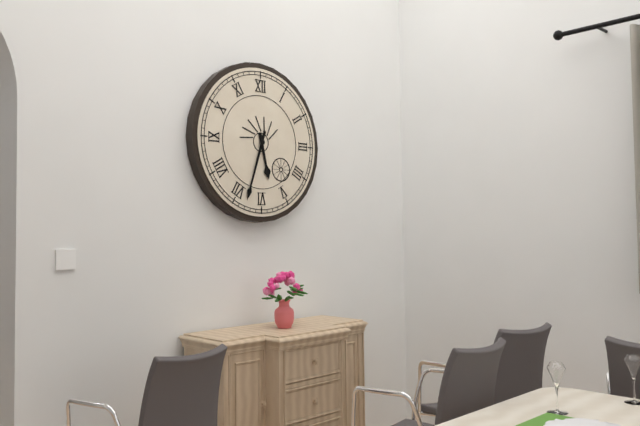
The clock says 5.33
